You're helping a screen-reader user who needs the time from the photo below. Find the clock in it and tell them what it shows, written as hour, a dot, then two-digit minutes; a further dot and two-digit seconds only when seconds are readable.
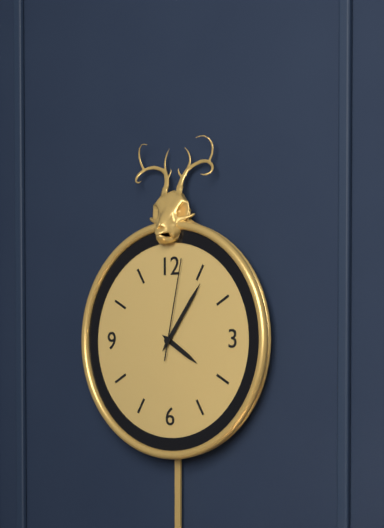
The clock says 4.06.02
